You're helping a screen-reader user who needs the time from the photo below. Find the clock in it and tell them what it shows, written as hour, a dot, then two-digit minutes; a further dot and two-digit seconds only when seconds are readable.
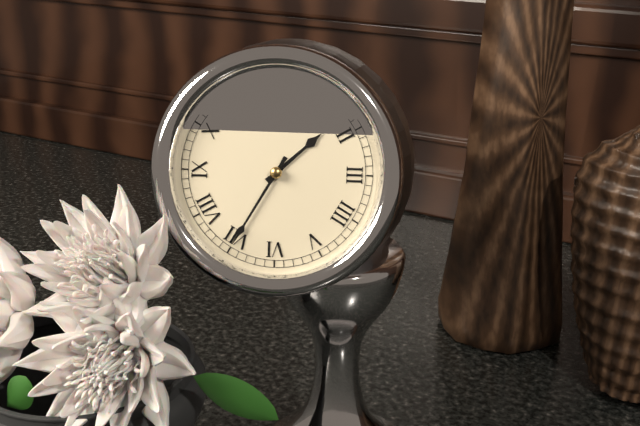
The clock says 1.35
